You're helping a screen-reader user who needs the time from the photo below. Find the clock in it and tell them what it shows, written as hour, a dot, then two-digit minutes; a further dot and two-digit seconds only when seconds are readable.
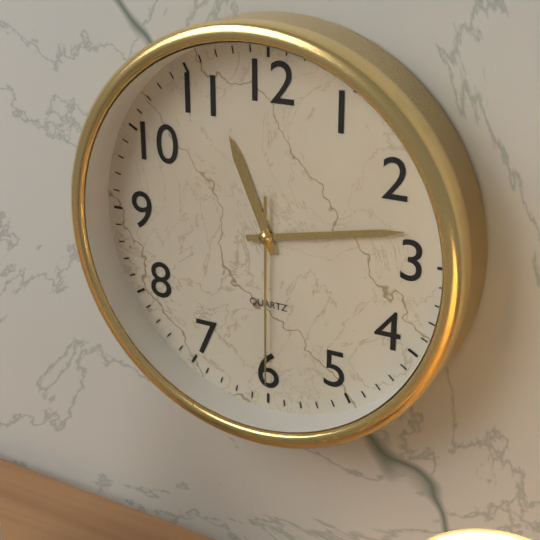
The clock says 11.13.30
